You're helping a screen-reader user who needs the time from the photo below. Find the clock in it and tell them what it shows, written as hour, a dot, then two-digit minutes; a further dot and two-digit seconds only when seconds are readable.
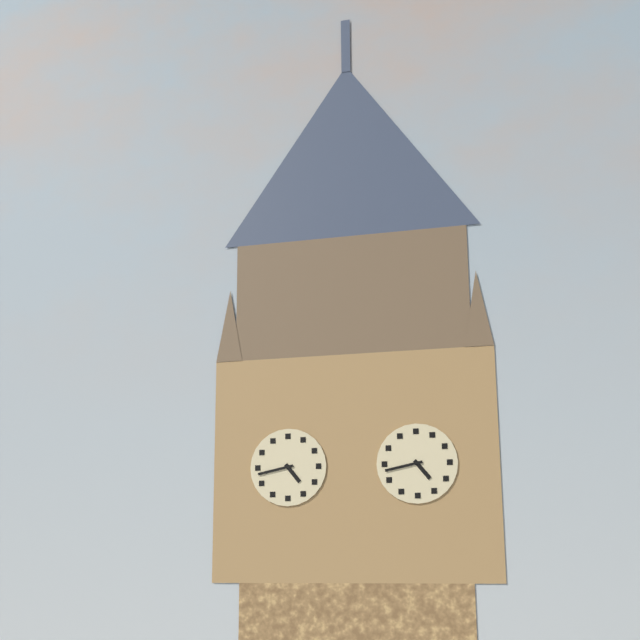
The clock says 4.43
